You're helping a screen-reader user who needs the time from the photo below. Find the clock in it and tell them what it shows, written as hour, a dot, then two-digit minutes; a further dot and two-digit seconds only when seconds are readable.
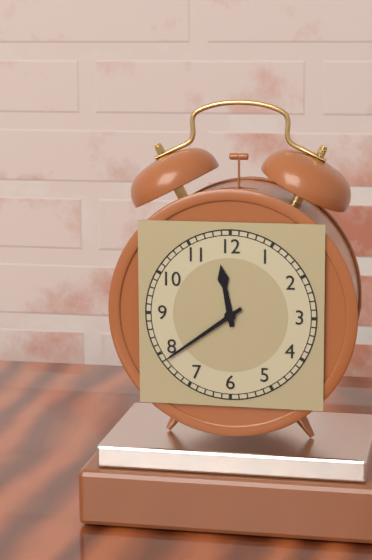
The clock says 11.39
